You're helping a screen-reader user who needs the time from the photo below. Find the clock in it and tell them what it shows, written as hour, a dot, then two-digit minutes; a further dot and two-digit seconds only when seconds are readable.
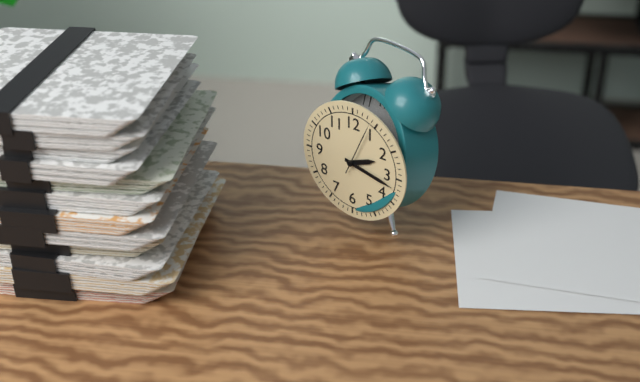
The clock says 2.17.04
